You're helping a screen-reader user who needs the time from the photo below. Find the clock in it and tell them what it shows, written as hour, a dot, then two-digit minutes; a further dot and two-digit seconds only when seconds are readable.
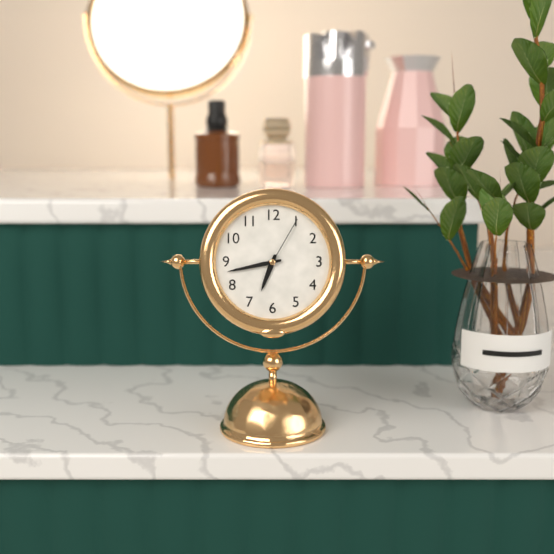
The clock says 6.43.05
